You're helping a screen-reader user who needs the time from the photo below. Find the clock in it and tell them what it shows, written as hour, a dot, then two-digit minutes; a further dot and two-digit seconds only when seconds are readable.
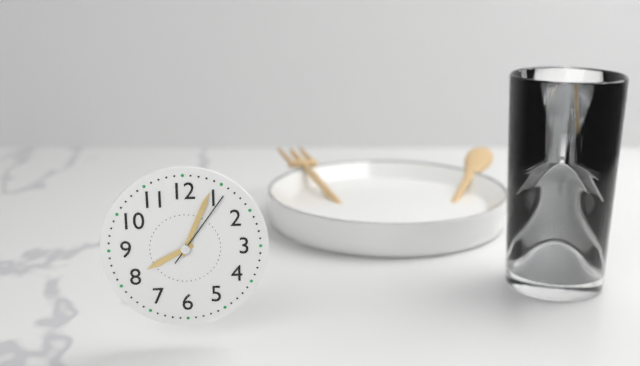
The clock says 8.04.06
